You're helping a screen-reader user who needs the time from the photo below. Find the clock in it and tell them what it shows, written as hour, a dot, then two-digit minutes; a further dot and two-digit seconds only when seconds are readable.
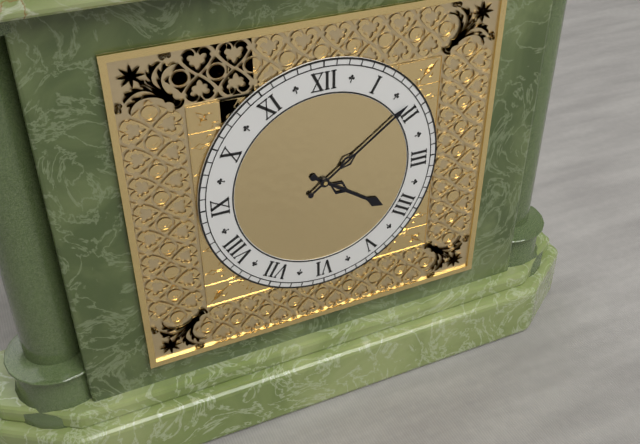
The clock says 4.09
